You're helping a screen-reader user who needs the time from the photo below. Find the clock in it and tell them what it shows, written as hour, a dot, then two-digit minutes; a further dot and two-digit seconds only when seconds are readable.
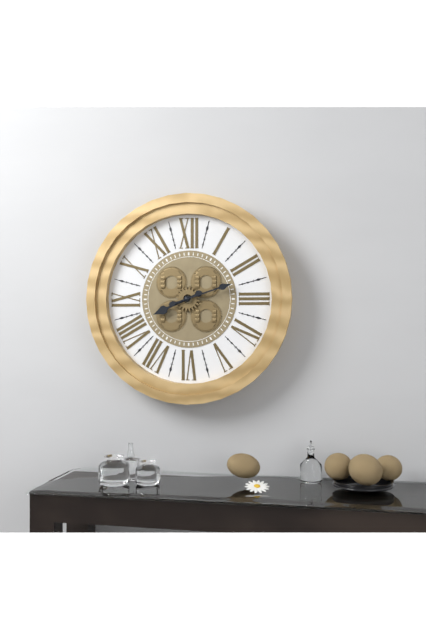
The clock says 8.12
